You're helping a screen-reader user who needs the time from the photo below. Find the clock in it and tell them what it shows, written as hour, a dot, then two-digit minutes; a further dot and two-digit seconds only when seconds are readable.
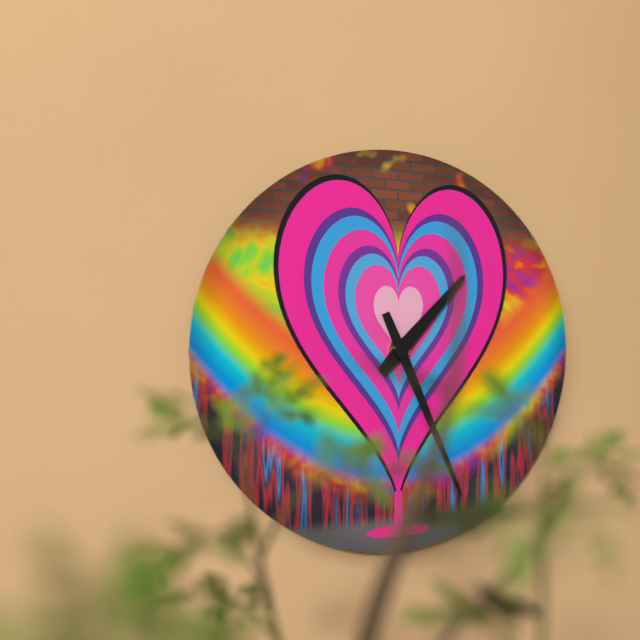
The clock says 1.26
